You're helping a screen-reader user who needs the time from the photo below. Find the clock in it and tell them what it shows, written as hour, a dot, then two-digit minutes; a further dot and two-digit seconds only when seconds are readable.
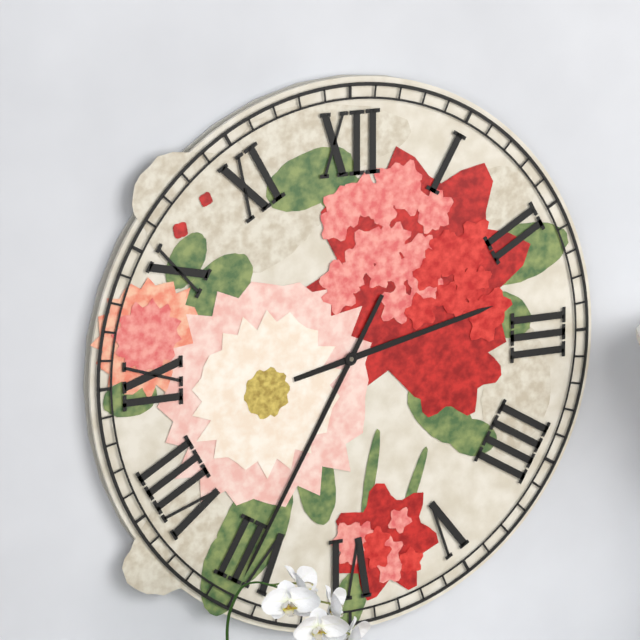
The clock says 2.35
